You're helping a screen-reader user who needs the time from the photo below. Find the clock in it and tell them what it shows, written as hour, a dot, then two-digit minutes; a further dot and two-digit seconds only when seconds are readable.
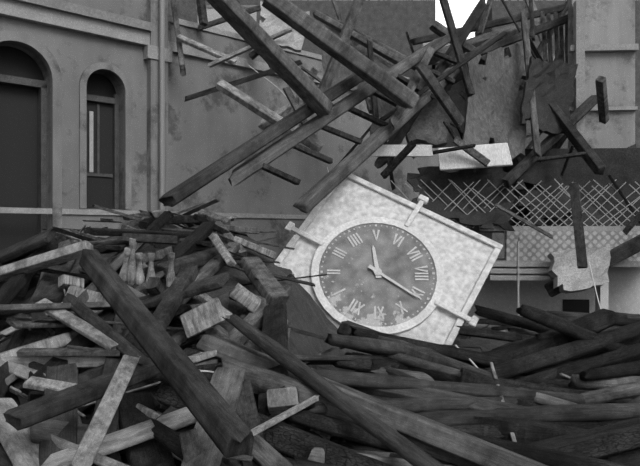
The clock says 4.46
